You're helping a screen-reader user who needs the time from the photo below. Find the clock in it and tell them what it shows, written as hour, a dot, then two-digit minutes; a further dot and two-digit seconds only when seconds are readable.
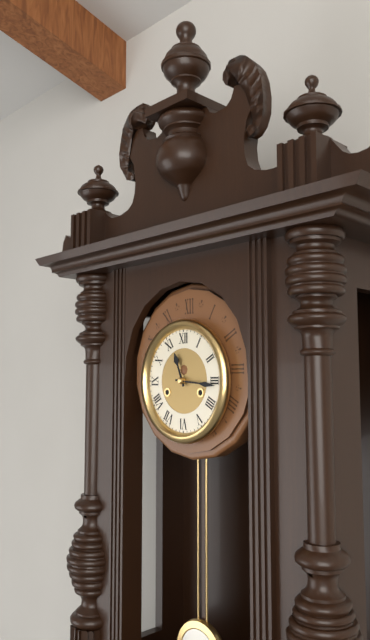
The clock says 11.16
